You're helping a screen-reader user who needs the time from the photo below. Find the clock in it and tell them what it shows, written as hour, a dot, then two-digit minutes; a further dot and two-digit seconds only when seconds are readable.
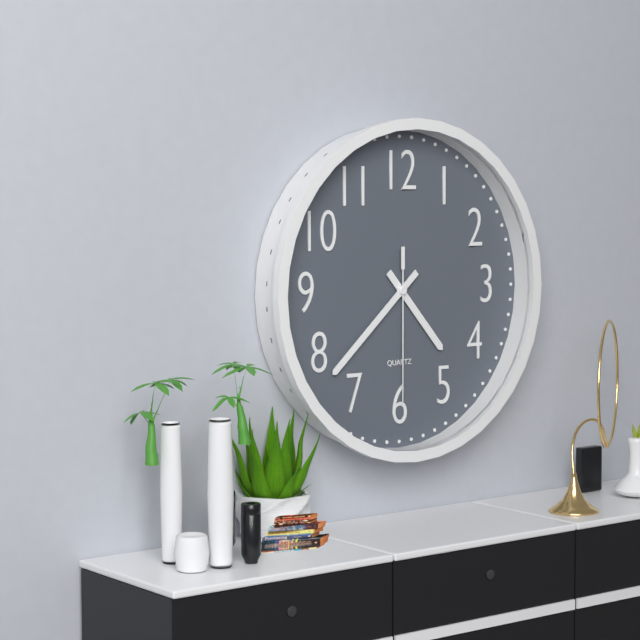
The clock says 4.38.30
